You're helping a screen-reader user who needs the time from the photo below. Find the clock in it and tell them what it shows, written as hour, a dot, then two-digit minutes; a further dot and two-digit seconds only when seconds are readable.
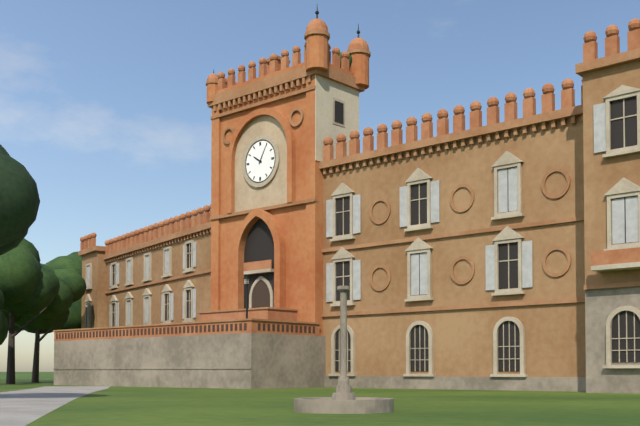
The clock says 10.05
